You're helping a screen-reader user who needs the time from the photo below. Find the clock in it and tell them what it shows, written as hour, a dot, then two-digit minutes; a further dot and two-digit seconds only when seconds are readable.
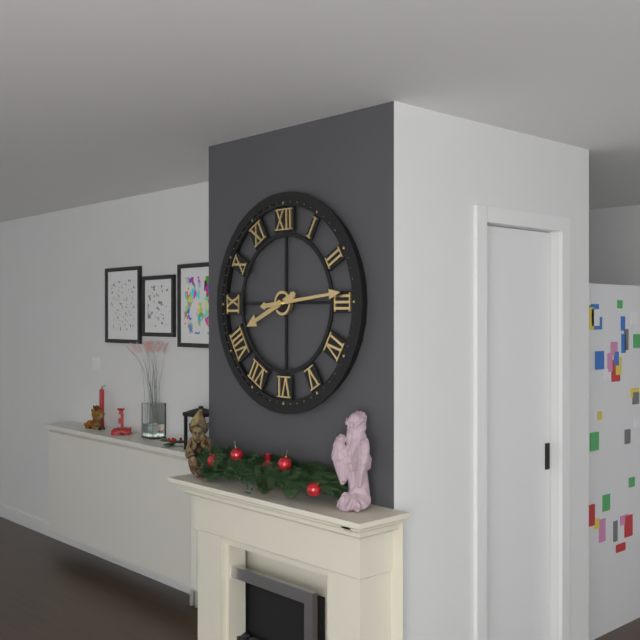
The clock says 8.14
